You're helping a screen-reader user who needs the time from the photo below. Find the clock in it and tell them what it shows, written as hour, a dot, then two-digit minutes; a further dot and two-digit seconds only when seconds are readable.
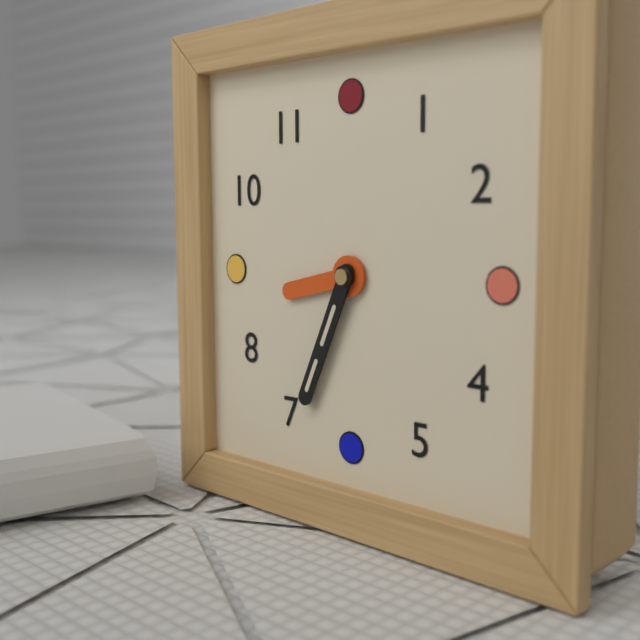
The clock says 8.34
